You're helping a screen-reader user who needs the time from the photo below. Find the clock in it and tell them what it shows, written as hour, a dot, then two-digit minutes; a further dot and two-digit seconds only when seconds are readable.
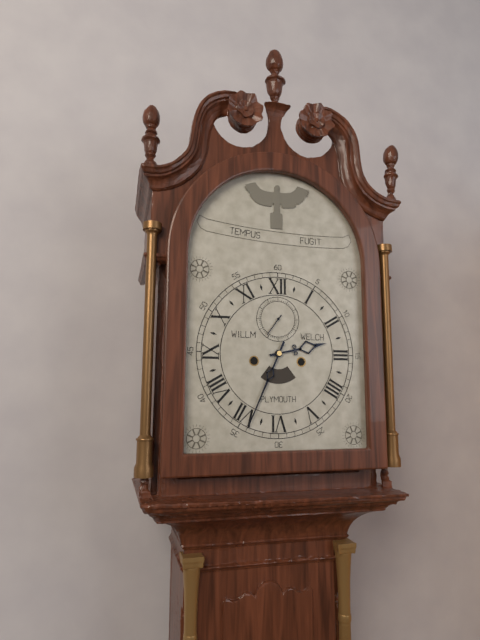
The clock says 2.34
